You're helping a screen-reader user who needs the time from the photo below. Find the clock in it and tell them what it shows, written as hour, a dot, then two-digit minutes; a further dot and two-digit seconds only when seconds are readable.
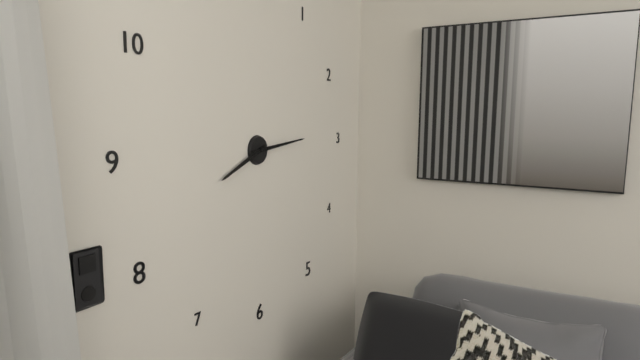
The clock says 8.14
